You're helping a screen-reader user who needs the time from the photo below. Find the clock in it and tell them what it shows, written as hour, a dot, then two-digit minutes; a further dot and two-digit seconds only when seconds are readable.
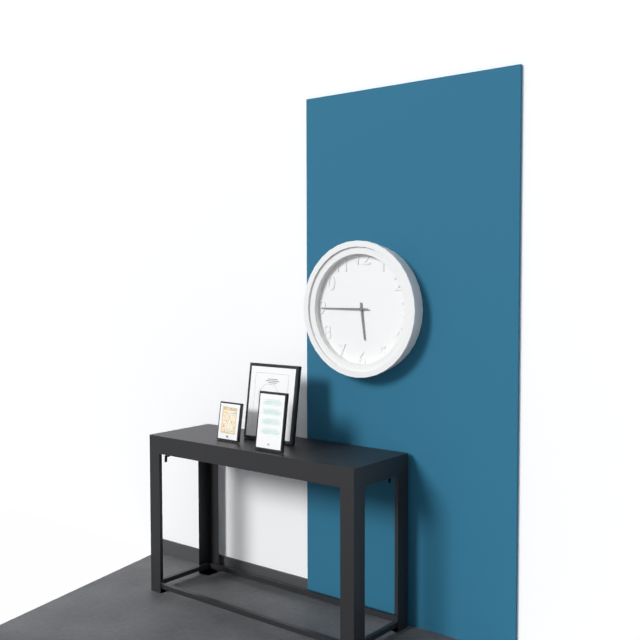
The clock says 5.45
